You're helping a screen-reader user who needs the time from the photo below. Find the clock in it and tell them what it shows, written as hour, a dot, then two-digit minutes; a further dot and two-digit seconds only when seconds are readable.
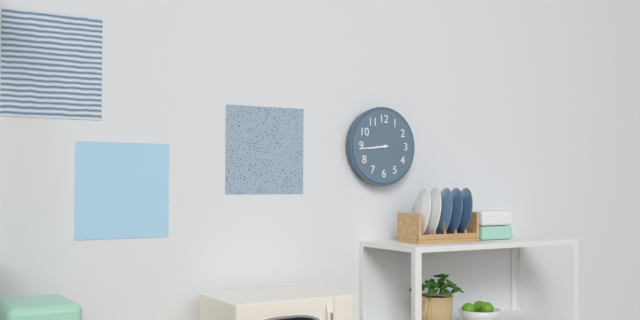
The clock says 8.44
